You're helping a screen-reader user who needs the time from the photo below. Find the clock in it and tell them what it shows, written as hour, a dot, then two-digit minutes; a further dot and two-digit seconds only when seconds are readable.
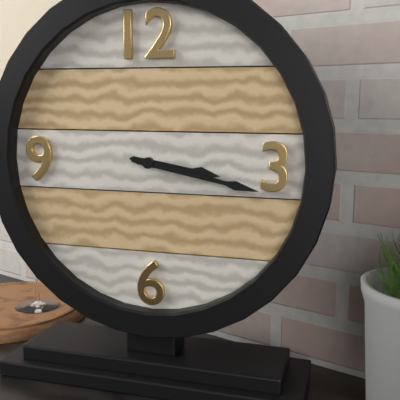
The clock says 3.17
